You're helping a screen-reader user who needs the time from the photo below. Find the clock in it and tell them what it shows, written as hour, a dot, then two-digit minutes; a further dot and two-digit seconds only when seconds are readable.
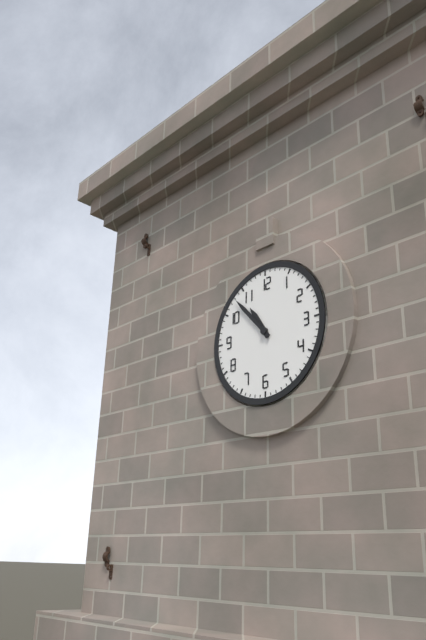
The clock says 10.53
